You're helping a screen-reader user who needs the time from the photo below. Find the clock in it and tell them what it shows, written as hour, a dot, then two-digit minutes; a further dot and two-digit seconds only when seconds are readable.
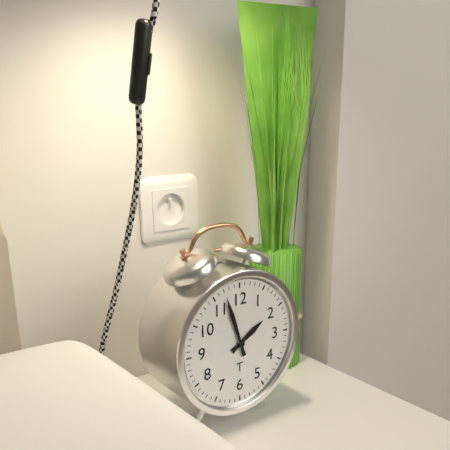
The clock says 1.57
